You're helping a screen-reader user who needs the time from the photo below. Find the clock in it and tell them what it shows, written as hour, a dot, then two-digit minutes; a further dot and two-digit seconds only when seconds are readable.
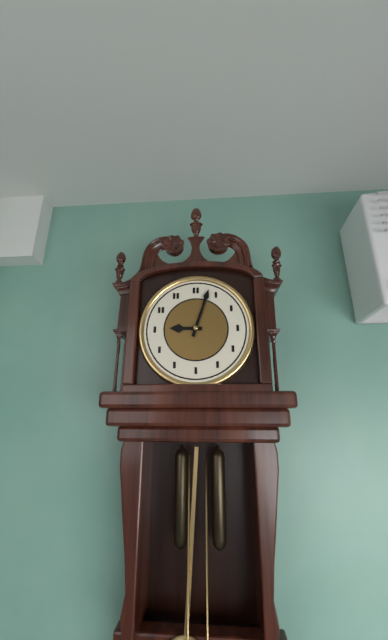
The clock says 9.03
